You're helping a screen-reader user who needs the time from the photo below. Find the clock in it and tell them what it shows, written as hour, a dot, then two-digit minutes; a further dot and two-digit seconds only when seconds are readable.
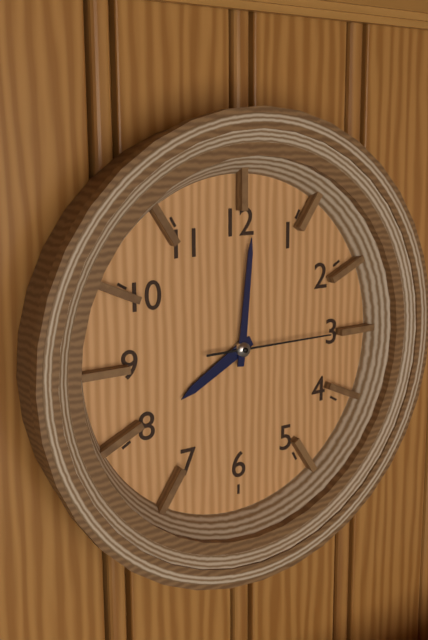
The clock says 8.01.15
